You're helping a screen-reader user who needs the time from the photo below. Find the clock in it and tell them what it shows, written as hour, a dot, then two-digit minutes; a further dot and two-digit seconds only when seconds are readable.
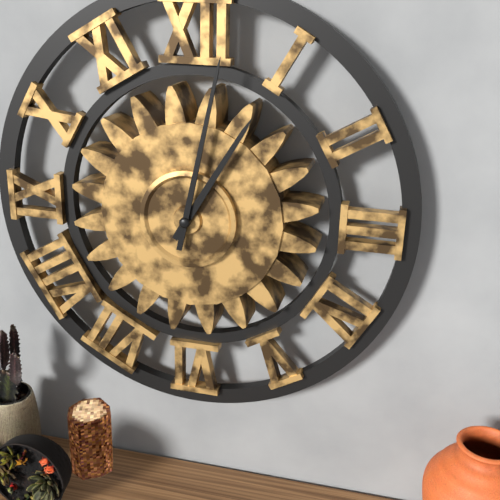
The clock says 1.02
